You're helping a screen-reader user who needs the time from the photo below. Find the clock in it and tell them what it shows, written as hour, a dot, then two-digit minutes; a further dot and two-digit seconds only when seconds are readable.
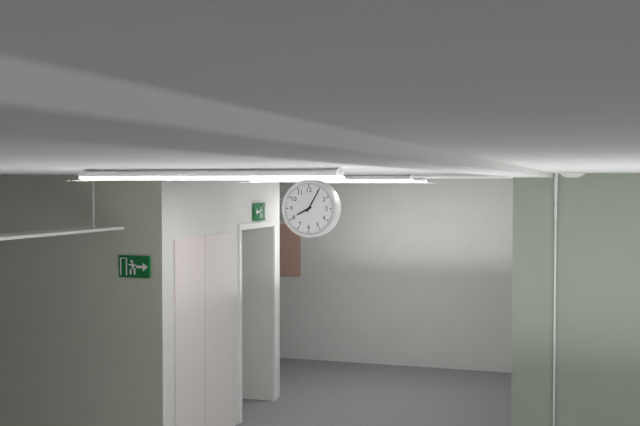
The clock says 8.05
